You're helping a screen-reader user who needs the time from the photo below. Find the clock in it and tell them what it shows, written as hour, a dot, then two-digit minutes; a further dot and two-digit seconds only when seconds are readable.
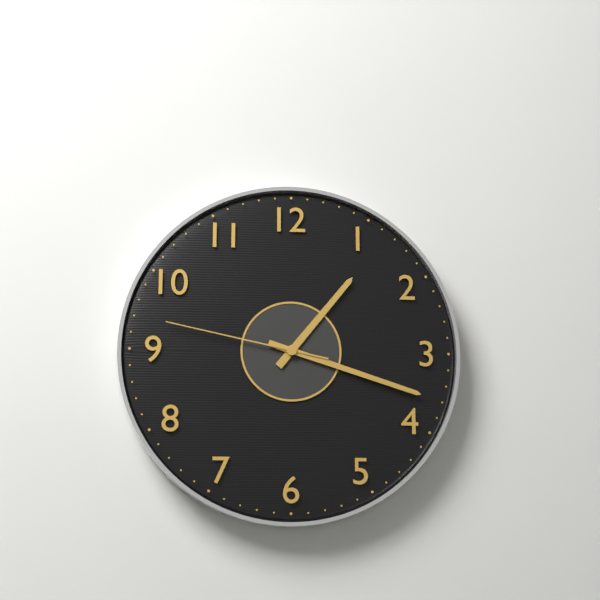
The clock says 1.18.47
